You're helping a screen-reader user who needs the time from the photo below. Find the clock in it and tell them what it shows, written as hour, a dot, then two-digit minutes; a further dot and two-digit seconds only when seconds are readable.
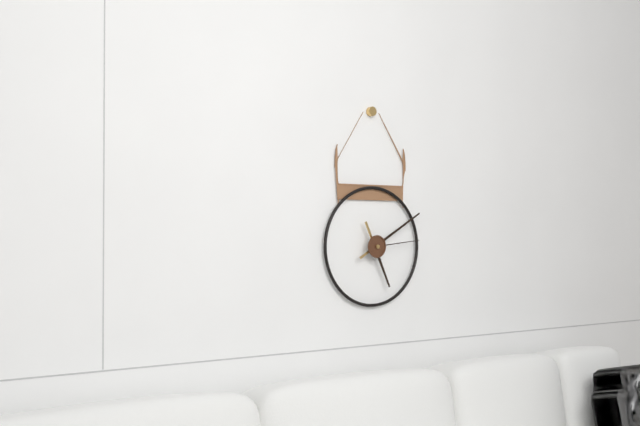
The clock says 5.10.14
